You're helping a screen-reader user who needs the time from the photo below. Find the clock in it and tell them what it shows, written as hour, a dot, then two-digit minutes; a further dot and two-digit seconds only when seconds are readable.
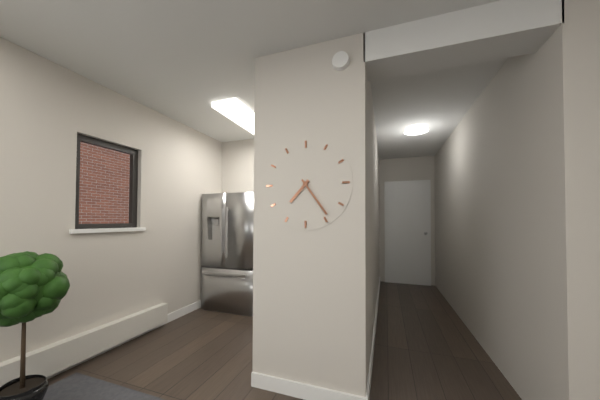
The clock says 7.24
